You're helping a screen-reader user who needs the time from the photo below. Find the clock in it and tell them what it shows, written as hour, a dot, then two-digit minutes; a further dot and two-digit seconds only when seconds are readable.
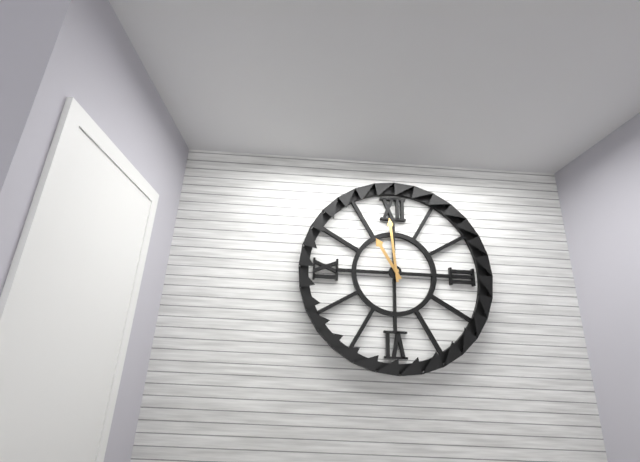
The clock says 10.59
